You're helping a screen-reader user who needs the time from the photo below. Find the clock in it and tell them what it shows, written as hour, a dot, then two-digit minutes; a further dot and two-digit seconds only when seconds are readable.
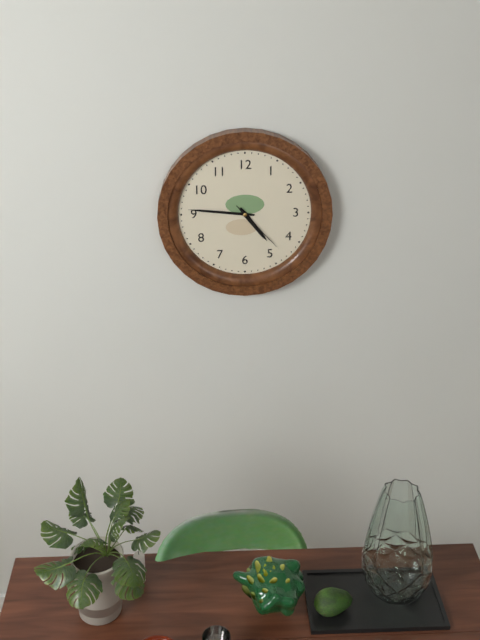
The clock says 4.46.23
